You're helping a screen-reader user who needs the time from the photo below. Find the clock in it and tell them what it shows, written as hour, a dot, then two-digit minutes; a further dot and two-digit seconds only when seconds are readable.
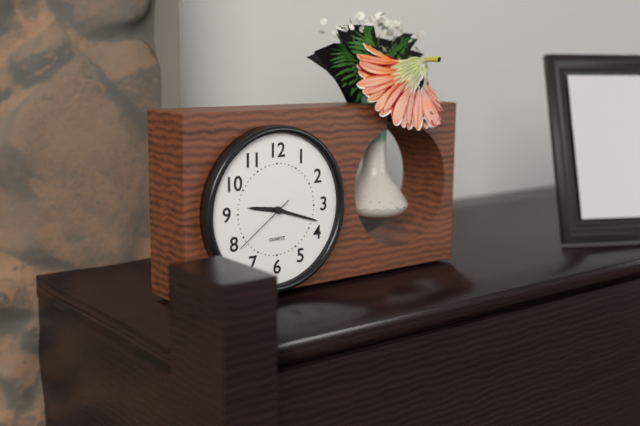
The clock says 9.18.39
